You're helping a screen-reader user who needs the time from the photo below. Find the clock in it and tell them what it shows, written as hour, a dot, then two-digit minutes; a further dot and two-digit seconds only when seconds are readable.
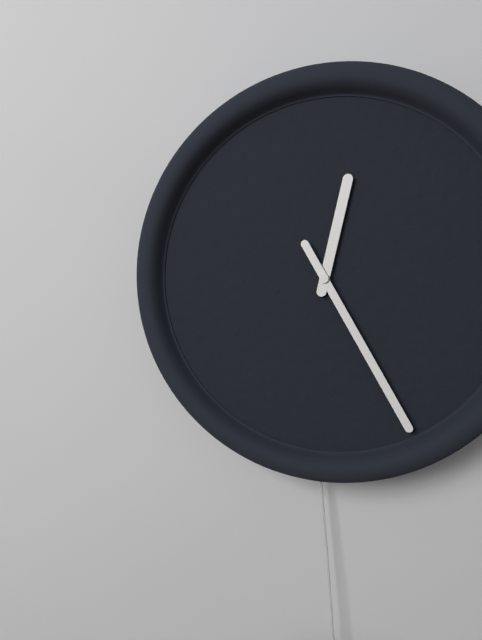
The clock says 12.25
